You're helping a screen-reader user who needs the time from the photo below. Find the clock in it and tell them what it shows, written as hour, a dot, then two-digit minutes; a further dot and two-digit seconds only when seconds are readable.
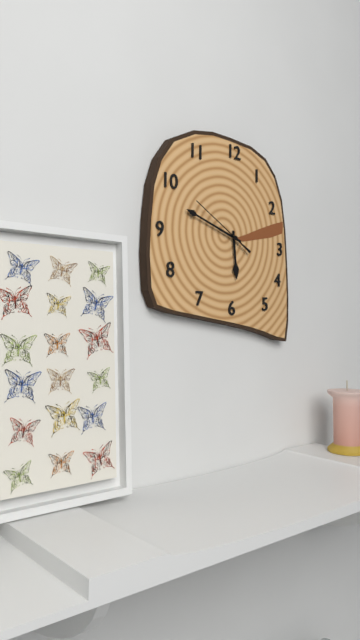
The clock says 5.48.50
